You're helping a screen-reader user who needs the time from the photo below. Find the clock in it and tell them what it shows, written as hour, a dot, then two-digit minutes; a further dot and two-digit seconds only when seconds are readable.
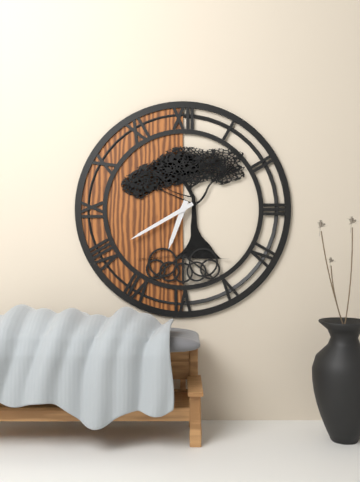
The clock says 6.40
